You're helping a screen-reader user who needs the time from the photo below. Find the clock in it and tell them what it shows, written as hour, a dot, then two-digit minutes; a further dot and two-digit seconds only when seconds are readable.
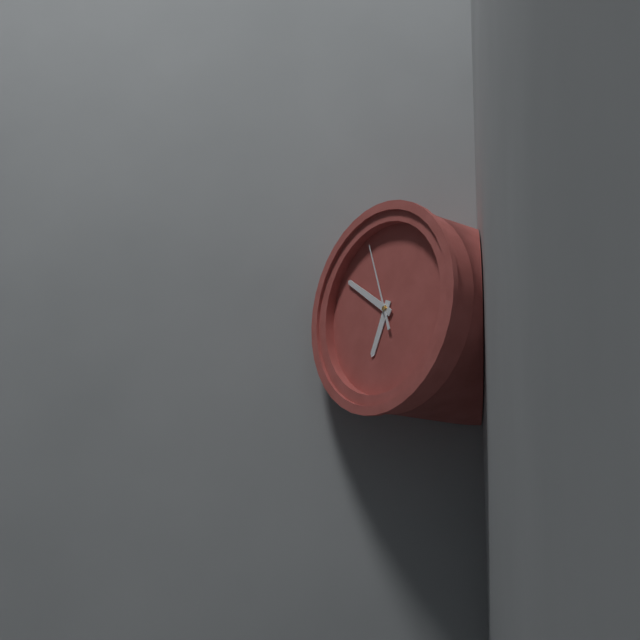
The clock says 6.51.57
